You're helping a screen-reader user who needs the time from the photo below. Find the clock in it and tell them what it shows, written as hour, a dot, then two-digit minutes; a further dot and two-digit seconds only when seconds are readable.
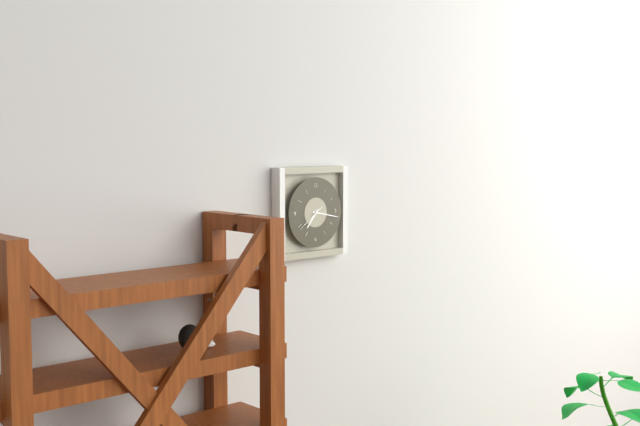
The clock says 7.17
